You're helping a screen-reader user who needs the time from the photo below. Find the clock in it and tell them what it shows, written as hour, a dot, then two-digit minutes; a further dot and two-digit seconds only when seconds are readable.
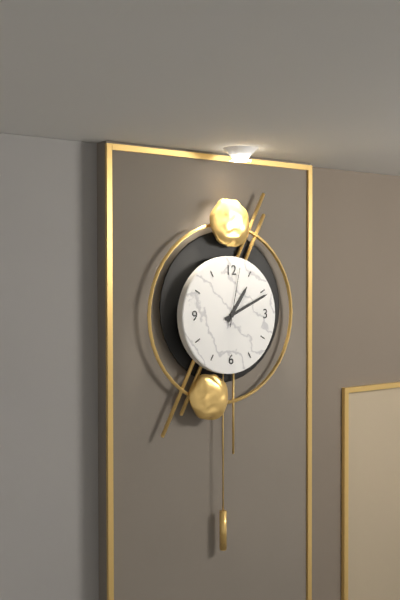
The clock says 1.11.02
